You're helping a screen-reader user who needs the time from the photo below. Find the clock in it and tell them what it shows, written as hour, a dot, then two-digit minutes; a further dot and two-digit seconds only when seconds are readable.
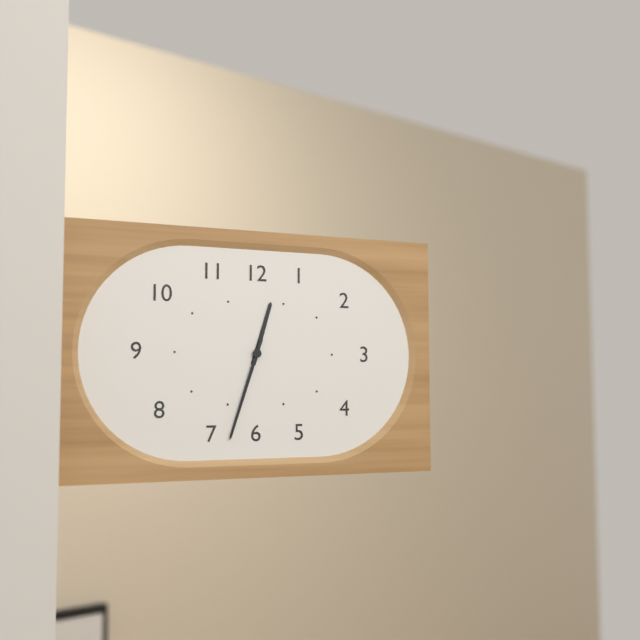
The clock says 12.33
